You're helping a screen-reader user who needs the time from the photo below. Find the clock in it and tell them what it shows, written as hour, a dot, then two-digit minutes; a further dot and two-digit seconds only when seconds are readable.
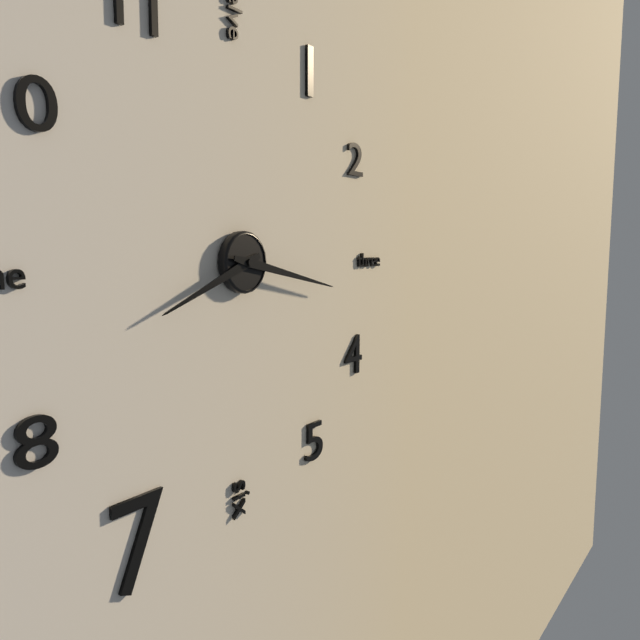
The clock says 8.17
